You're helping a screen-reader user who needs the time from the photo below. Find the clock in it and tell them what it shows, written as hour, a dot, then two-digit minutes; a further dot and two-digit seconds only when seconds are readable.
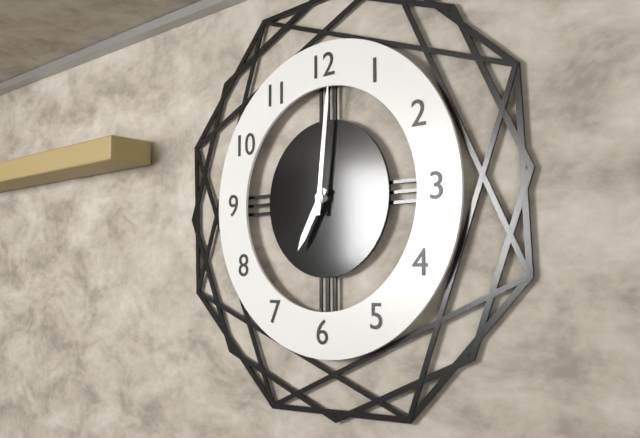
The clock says 7.01
